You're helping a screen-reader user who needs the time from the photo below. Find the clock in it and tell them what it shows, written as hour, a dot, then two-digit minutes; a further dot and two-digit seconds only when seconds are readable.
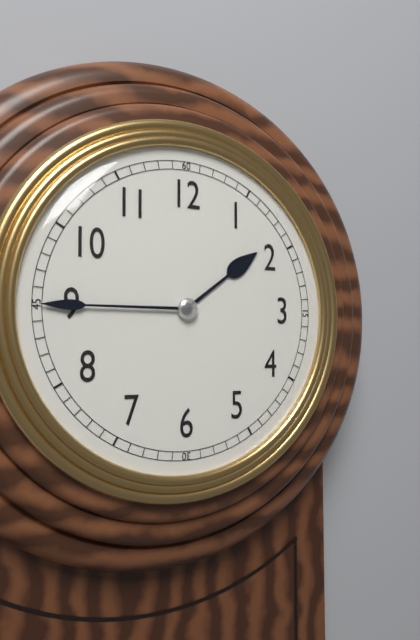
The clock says 1.45
